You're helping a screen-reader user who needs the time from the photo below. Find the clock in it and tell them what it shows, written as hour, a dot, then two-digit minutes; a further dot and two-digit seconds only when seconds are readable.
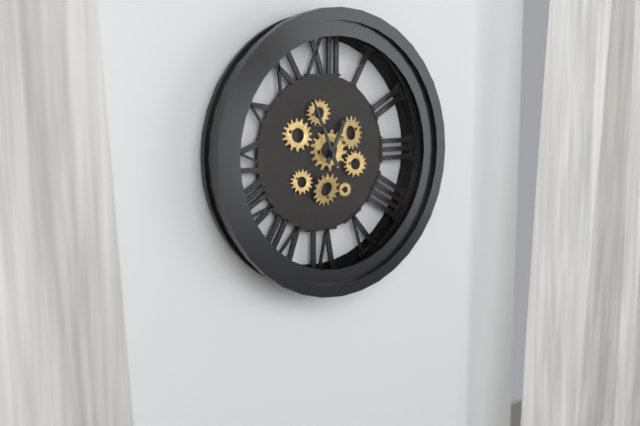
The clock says 12.56
